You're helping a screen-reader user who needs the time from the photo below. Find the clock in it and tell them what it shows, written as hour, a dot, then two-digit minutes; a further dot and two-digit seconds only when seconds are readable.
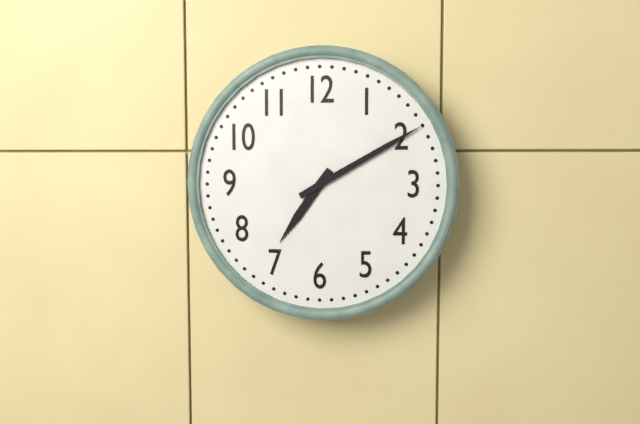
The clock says 7.10
